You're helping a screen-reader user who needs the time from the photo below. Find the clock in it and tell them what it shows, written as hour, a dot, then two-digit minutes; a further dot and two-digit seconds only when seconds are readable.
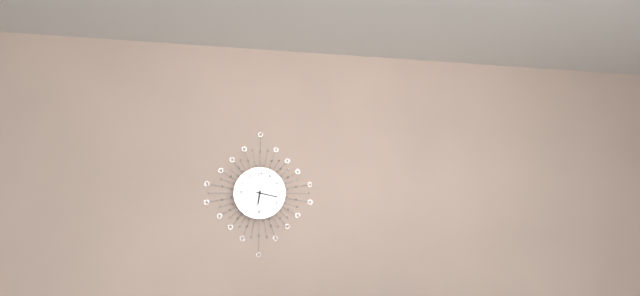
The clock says 6.17
